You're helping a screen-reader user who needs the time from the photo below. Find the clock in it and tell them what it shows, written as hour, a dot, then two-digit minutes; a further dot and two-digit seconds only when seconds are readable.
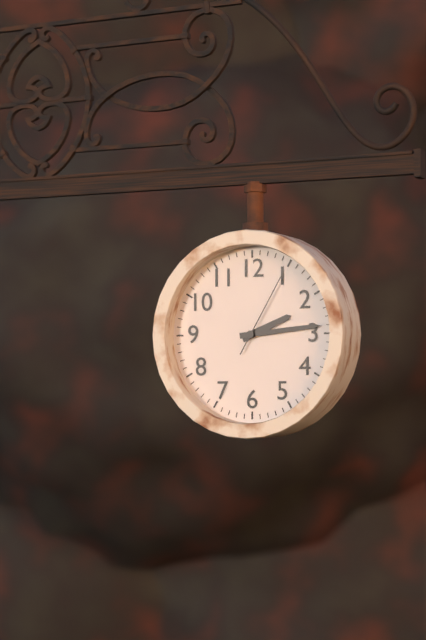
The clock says 2.14.05
